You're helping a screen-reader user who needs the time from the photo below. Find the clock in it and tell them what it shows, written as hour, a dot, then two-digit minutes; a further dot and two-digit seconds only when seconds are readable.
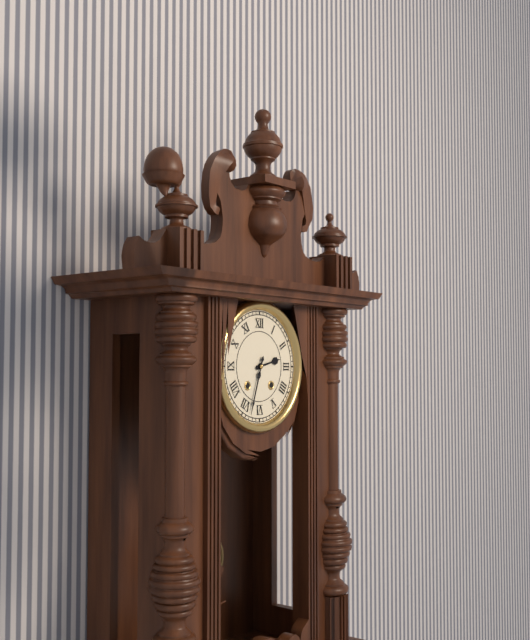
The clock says 2.33
